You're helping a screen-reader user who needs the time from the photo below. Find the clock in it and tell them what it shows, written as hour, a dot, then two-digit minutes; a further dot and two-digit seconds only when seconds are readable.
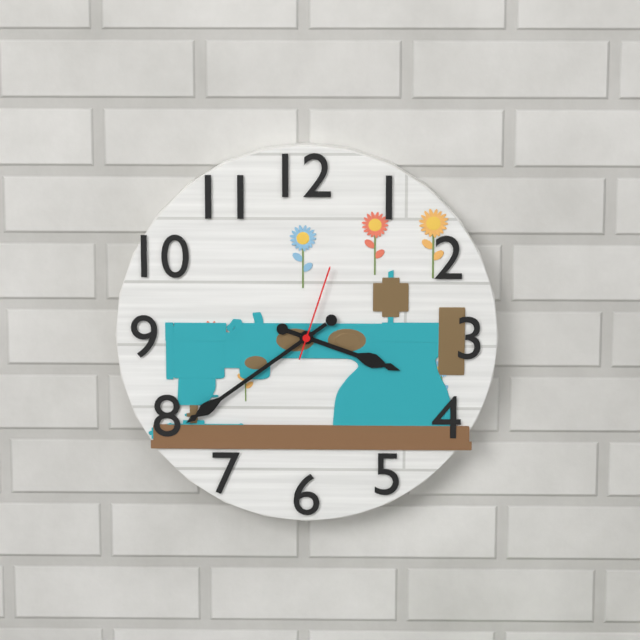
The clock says 3.39.03
